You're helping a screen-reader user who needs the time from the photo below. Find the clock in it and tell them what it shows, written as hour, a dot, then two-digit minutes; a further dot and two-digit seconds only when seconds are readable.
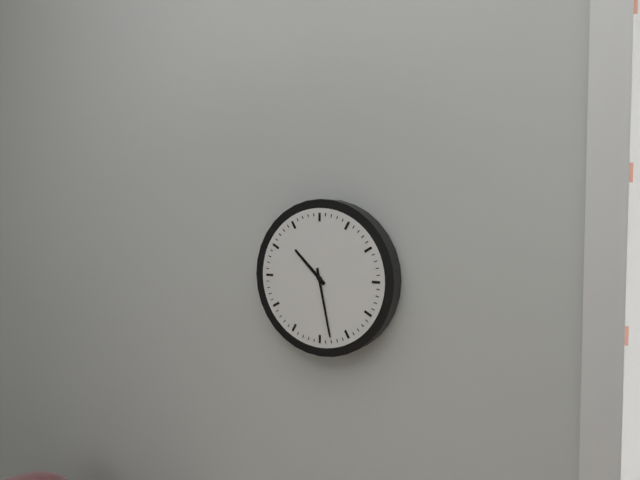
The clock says 10.28
